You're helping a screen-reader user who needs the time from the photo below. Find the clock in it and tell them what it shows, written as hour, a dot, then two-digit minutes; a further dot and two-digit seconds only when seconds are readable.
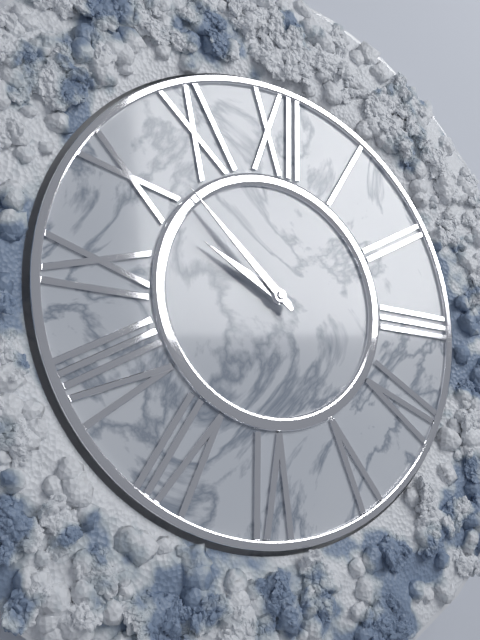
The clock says 9.52
